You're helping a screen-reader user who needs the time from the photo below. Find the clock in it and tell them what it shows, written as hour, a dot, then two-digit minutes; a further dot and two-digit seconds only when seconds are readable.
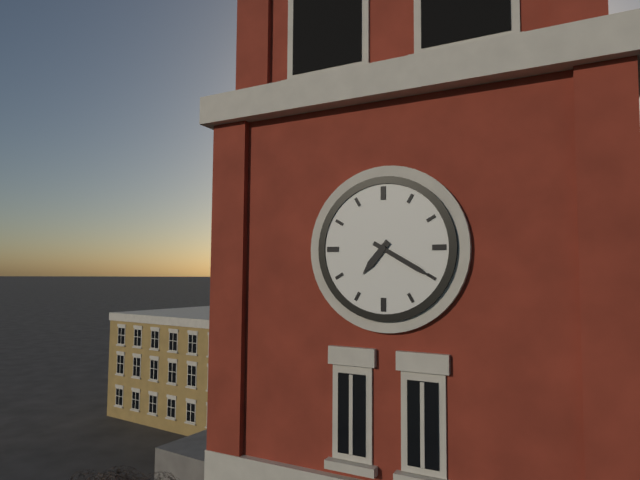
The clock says 7.20
